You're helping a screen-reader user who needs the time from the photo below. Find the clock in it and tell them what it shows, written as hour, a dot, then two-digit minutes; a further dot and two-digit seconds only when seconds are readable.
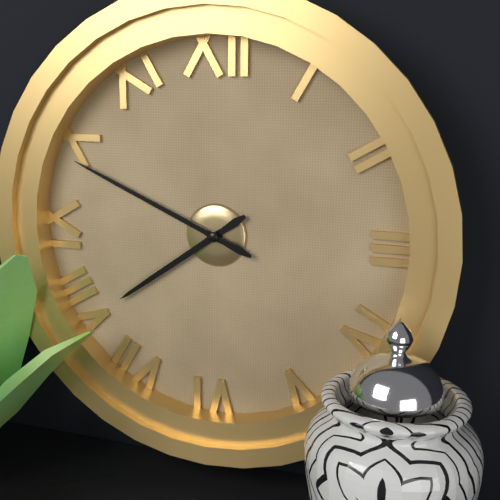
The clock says 7.49
